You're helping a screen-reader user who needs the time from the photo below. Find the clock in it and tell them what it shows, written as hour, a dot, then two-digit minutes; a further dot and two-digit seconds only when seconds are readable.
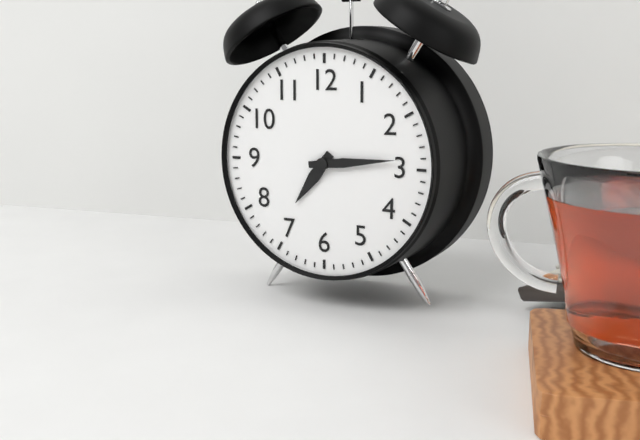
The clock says 7.14
